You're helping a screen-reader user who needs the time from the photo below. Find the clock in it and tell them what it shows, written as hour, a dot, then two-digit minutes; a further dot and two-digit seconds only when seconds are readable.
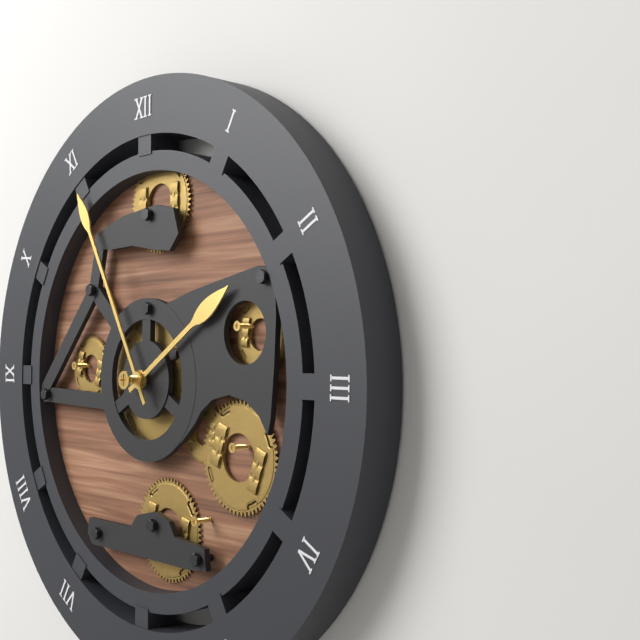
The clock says 1.55
